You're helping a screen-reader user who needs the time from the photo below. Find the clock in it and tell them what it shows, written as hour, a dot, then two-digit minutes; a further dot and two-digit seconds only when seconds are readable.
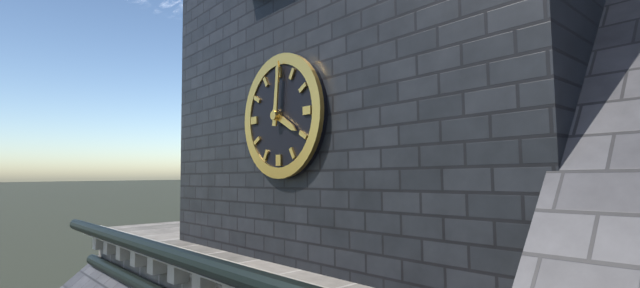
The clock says 4.01
